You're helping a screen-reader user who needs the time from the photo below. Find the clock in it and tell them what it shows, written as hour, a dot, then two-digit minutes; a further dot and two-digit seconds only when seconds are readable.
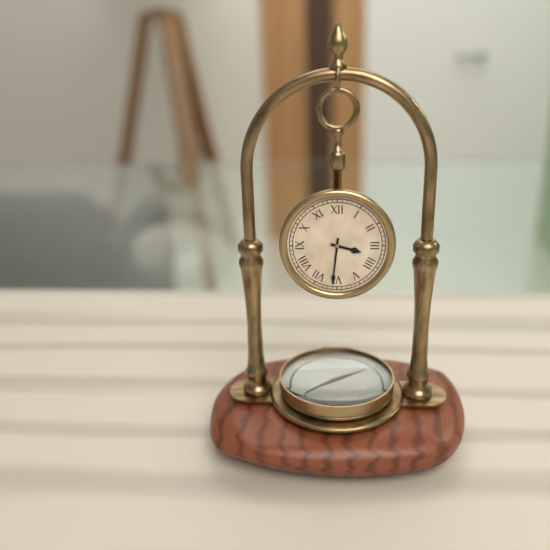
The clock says 3.31
